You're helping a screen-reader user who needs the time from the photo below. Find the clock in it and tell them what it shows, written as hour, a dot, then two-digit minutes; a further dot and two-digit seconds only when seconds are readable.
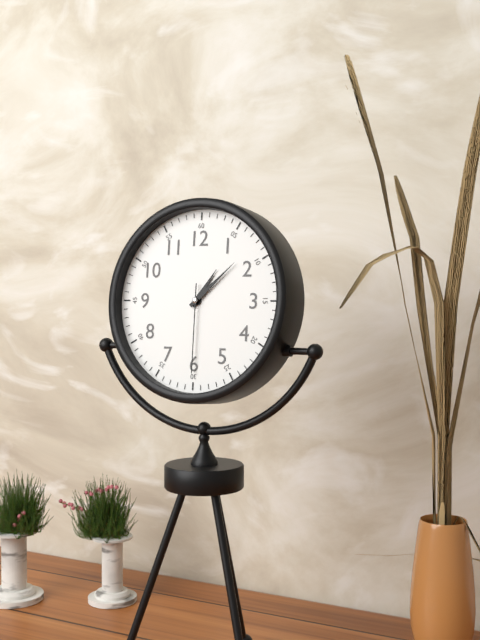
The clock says 1.08.30
